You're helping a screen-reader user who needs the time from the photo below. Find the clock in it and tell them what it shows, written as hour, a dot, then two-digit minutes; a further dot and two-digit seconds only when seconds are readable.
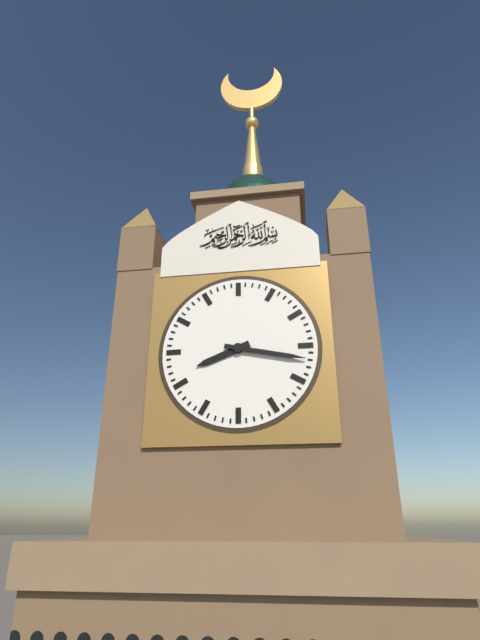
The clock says 8.17
